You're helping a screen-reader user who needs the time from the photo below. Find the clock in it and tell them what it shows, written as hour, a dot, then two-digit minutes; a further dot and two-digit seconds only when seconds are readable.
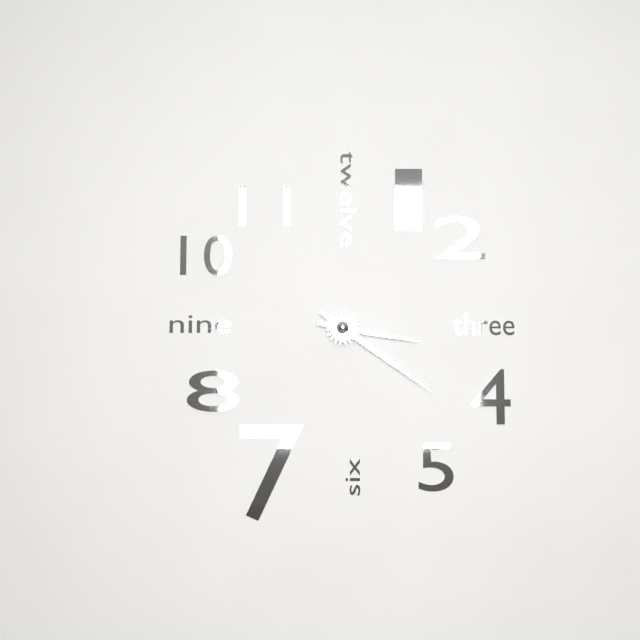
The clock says 3.21
